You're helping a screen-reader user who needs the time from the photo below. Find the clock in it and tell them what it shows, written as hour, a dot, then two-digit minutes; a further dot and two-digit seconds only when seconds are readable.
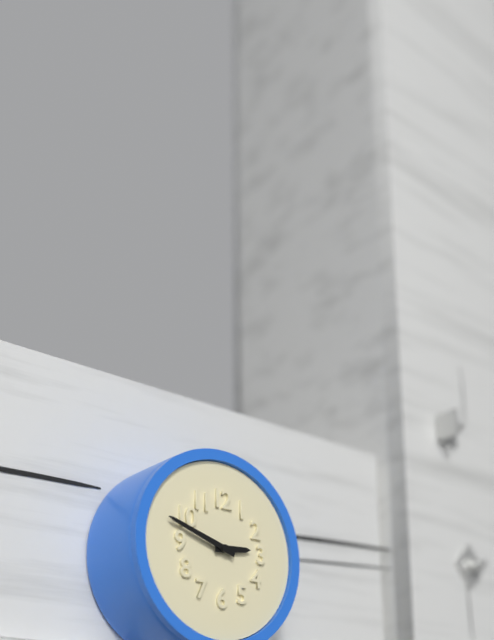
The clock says 2.48
